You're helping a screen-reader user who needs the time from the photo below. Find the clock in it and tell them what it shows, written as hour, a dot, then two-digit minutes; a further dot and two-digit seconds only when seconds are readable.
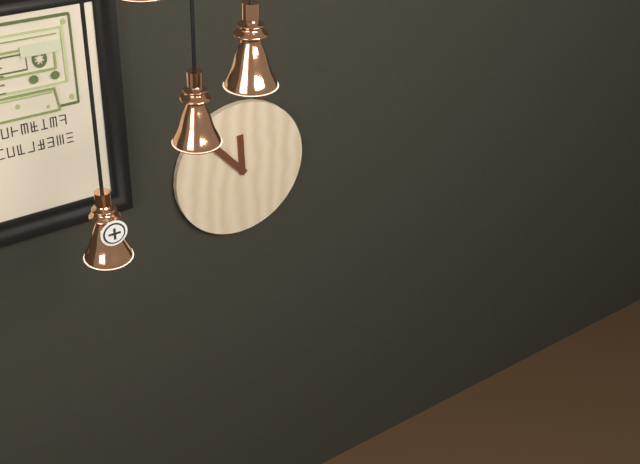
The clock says 11.53
